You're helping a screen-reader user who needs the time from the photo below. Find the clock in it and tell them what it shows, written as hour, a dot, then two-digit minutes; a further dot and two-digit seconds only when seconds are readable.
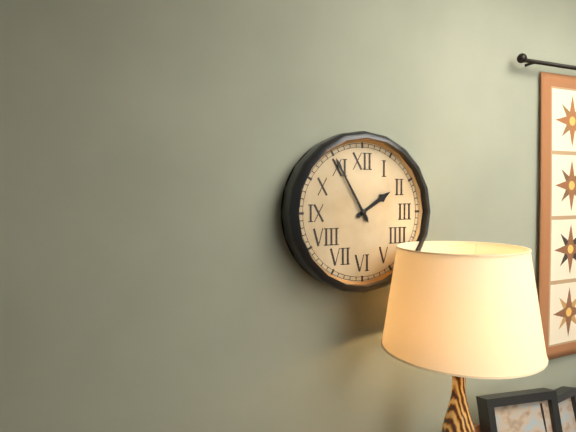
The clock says 1.55
